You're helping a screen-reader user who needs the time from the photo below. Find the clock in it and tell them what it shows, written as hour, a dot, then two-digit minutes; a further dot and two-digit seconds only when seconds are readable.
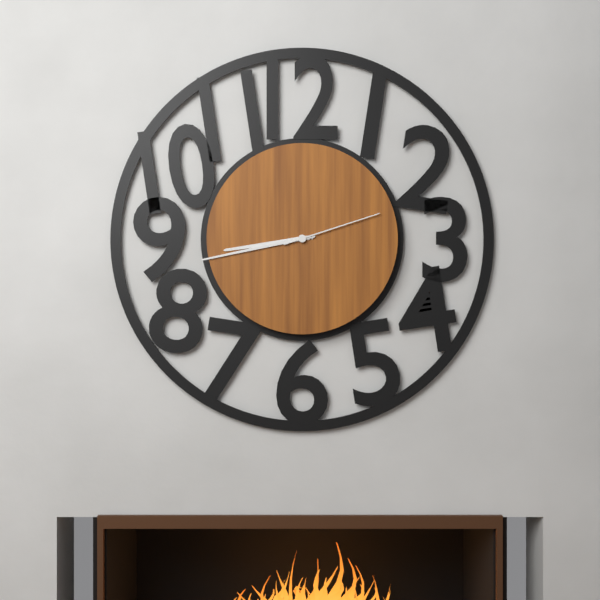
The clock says 8.43.12
